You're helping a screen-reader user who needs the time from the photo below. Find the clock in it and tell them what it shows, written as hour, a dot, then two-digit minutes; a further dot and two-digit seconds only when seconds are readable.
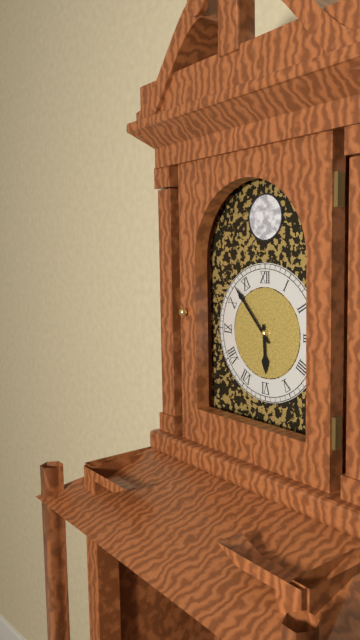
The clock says 5.53
